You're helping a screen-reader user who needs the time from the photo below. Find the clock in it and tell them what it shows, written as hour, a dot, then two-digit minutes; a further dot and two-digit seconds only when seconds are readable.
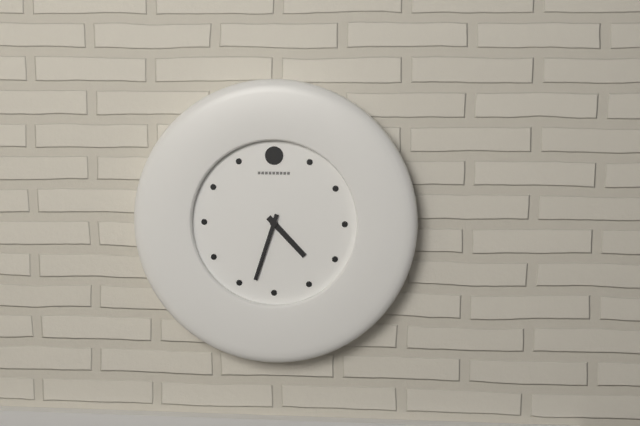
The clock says 4.33
